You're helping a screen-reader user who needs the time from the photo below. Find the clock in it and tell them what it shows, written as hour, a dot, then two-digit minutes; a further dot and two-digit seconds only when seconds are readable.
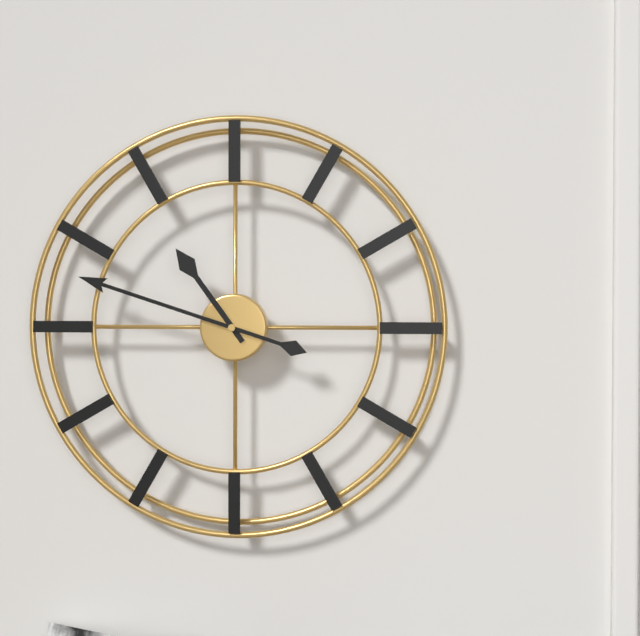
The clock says 10.48
